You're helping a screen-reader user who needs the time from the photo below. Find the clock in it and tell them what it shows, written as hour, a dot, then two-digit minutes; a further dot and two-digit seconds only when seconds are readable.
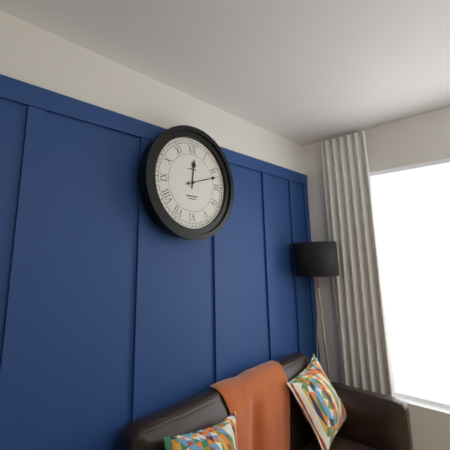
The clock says 12.12
